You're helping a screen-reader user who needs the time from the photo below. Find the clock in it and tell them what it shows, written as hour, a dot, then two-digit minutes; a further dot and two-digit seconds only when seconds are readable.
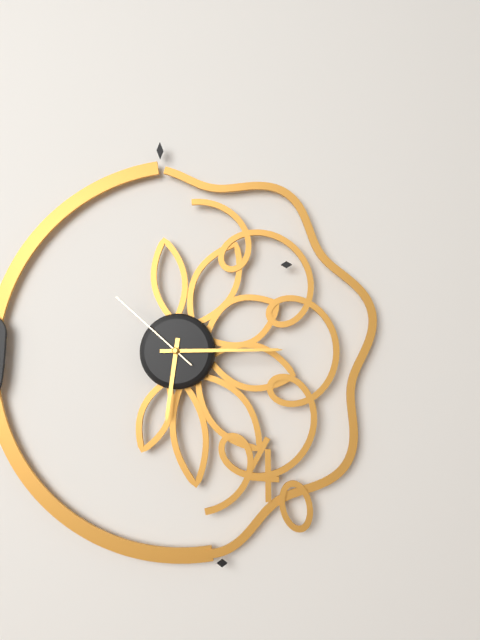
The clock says 6.15.52
